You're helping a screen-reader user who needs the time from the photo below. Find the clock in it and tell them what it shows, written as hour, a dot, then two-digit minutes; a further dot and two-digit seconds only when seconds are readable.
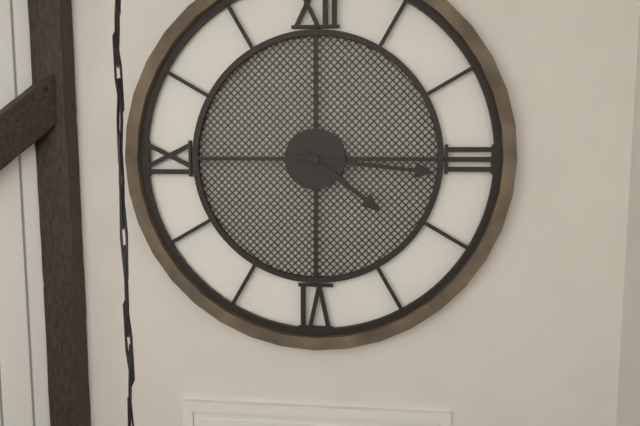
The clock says 4.16
